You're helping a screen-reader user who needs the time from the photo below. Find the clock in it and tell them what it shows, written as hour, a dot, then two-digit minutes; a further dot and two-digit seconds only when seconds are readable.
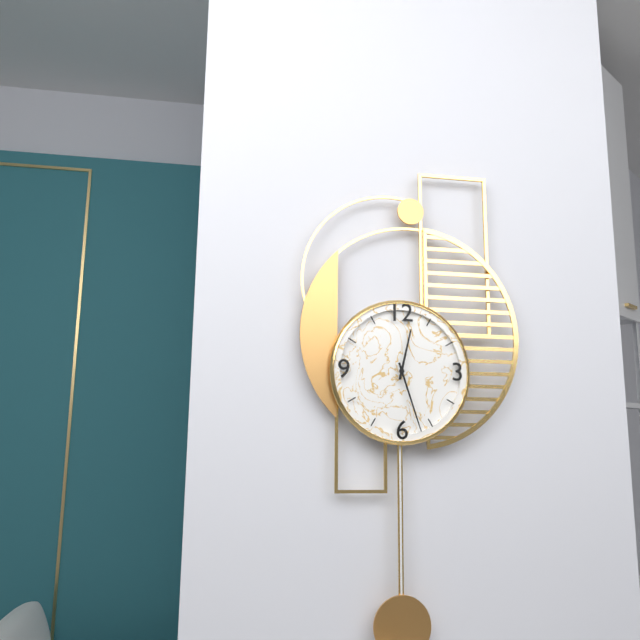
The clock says 12.27
